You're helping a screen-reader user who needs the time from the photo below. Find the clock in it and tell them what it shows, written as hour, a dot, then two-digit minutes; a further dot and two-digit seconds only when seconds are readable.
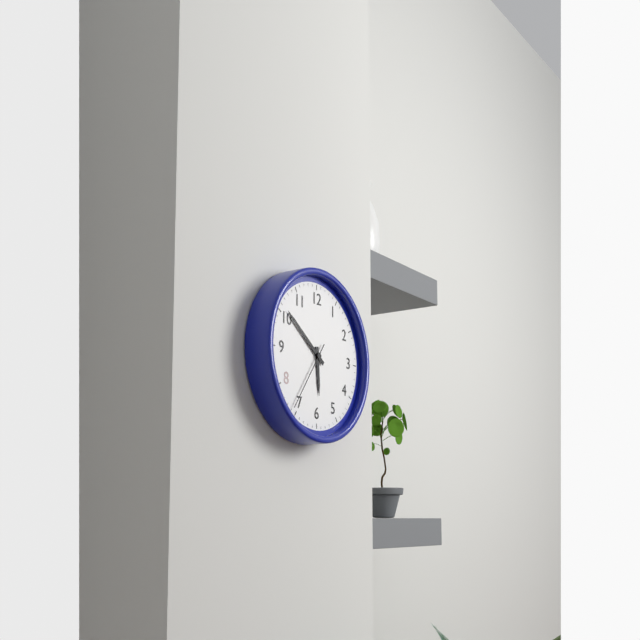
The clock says 5.51.36
